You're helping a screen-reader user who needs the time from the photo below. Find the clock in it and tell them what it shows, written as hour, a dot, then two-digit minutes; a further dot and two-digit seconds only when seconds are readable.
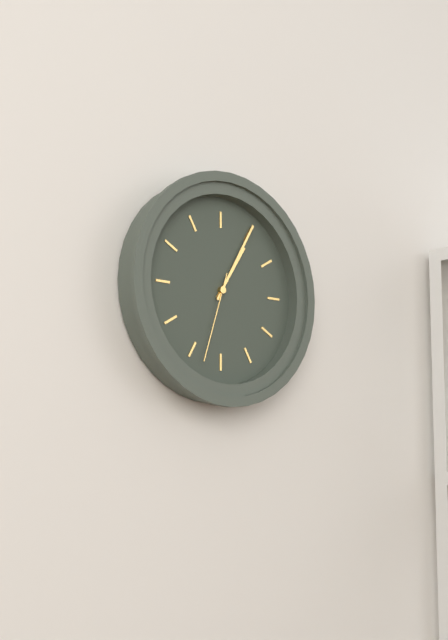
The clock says 1.05.33
